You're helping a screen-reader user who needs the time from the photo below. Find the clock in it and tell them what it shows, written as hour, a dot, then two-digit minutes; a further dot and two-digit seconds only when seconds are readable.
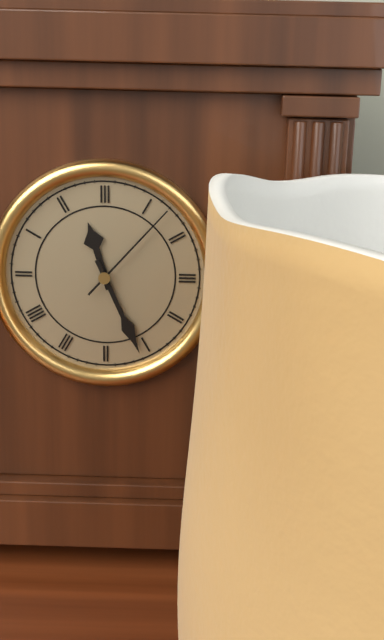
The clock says 11.26.07
